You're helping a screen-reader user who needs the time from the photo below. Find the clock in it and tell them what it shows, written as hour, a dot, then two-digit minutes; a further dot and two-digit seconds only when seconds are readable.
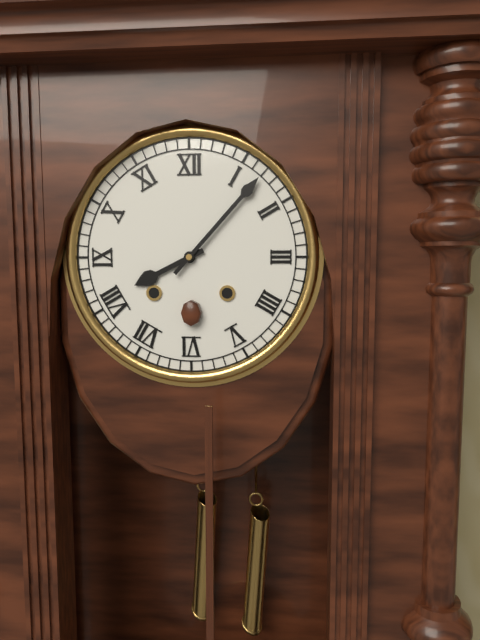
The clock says 8.07
